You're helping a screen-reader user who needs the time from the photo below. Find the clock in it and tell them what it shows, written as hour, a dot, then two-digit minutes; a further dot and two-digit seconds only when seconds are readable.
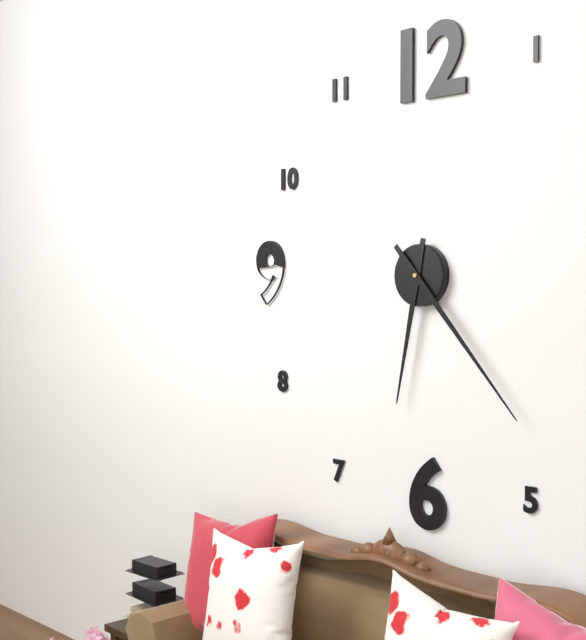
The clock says 6.23
